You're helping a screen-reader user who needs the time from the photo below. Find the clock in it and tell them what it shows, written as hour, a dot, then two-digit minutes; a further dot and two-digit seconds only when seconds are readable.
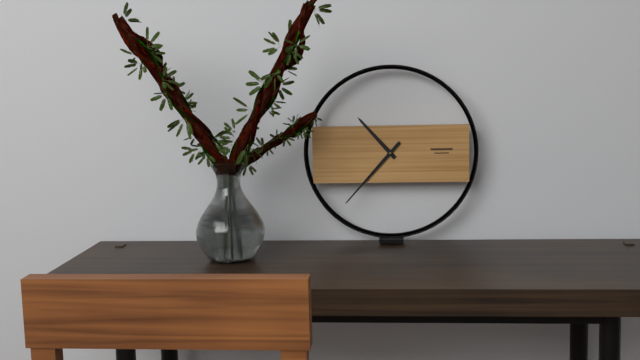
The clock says 10.37
